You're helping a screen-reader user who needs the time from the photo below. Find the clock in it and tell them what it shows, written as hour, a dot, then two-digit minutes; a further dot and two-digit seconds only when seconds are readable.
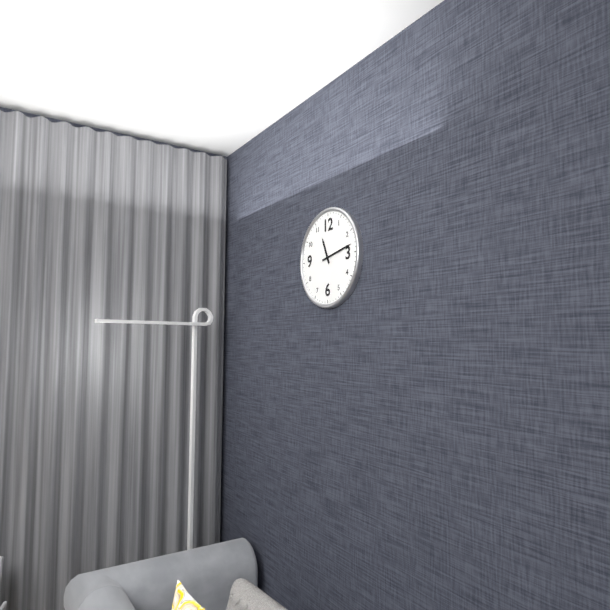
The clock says 11.13
